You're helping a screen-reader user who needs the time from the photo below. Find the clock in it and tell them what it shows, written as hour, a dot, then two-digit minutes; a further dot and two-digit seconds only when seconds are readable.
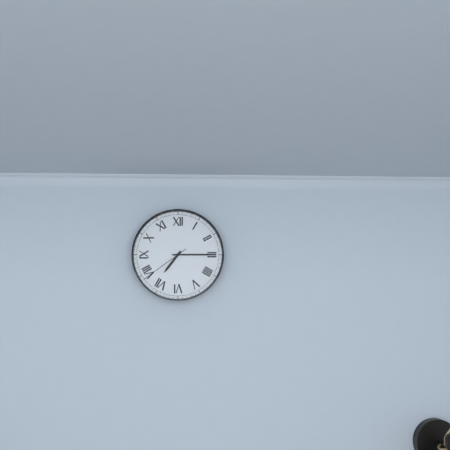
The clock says 7.15.39
